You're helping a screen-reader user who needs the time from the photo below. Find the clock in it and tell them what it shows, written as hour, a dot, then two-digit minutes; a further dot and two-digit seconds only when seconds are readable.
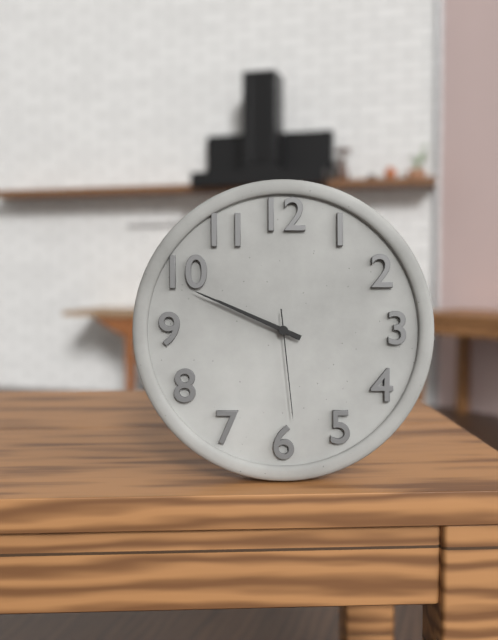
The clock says 9.49.29
